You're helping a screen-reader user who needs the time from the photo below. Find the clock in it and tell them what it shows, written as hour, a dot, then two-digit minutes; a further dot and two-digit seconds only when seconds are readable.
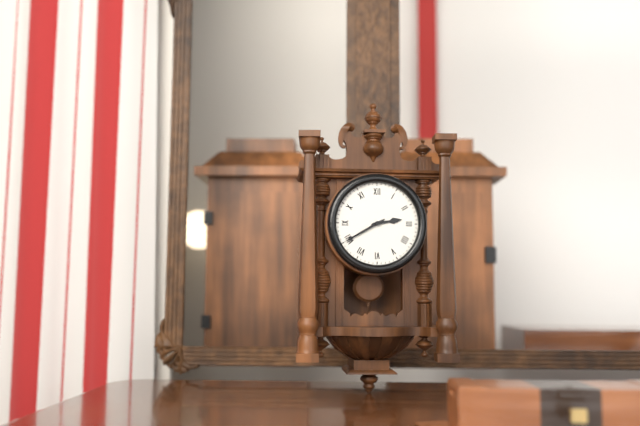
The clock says 2.40
